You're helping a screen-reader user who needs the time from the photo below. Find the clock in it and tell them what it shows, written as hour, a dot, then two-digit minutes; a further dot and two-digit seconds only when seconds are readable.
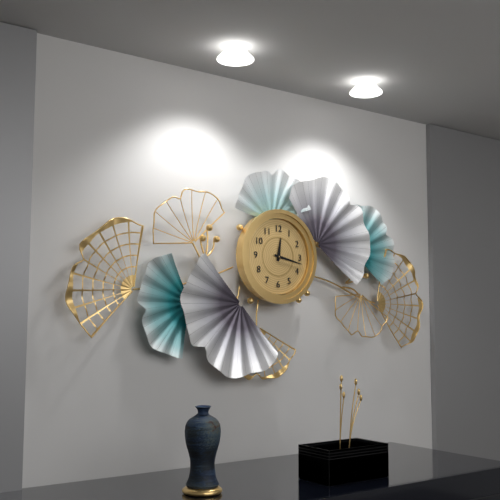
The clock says 12.17
